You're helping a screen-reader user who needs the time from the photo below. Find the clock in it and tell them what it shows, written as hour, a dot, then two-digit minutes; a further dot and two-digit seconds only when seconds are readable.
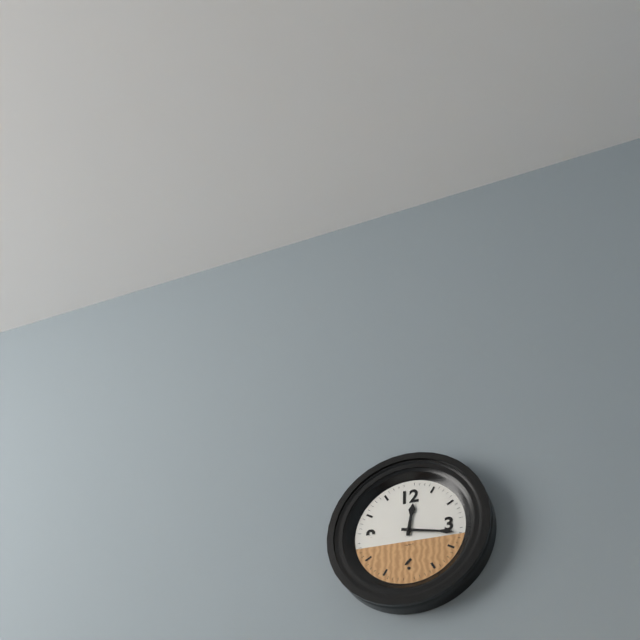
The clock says 12.17
